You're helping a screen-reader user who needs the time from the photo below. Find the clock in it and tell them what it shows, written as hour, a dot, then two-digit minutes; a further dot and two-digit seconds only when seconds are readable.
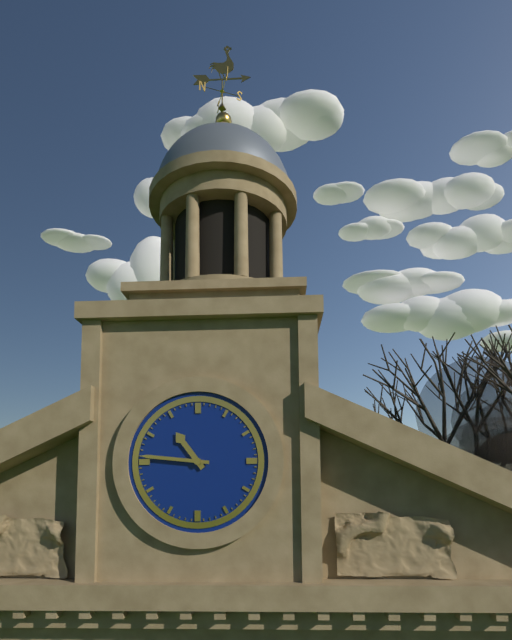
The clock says 10.46
